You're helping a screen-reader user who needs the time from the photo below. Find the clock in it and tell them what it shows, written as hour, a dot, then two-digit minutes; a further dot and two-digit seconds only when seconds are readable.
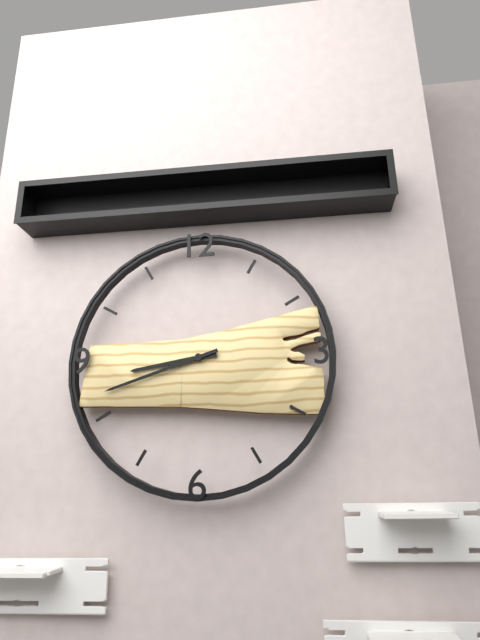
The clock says 8.42
